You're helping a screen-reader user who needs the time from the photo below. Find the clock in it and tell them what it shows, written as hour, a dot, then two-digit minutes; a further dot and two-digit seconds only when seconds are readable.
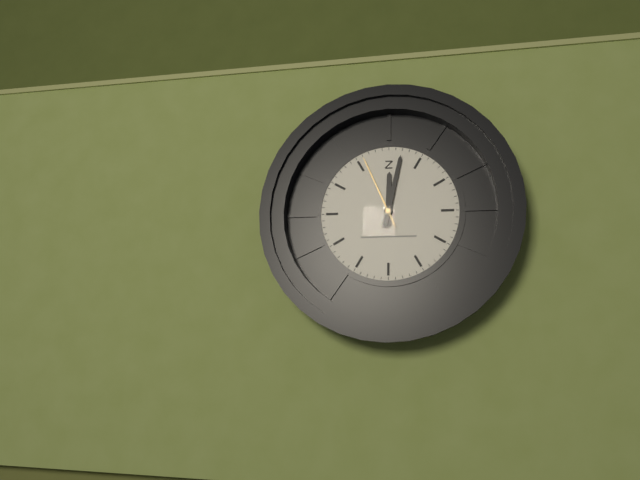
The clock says 12.02.56
